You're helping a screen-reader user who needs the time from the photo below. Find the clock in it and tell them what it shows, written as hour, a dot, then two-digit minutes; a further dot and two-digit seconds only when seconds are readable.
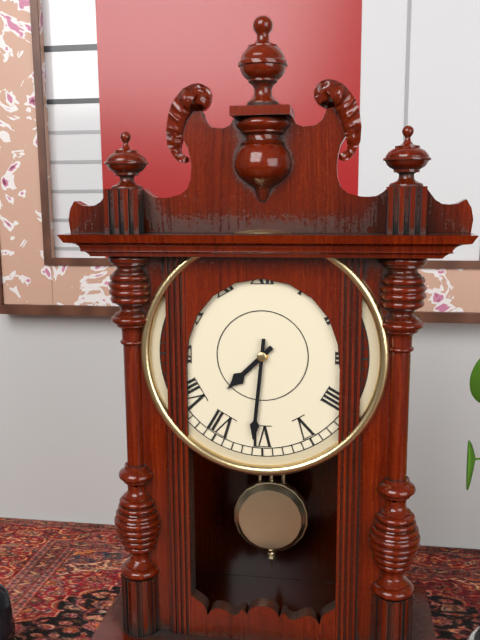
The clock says 7.31
